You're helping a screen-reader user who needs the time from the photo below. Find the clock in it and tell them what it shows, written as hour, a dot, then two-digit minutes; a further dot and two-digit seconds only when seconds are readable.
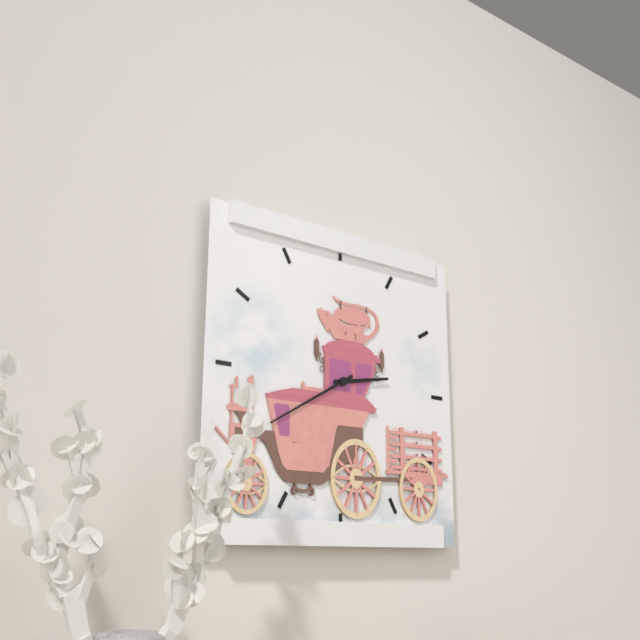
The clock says 2.40
